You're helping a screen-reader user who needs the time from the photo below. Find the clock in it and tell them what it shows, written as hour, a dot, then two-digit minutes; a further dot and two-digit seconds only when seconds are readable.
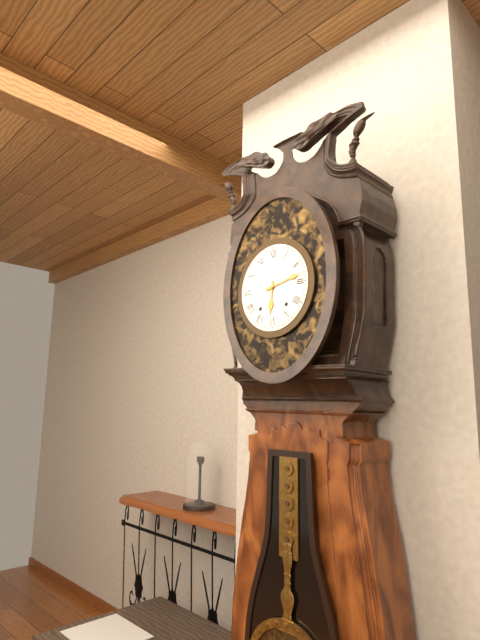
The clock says 6.13
